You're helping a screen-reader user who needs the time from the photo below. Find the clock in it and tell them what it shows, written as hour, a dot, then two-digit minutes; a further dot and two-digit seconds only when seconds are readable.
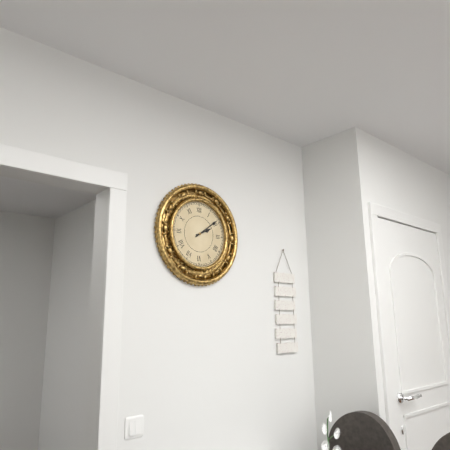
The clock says 2.09
